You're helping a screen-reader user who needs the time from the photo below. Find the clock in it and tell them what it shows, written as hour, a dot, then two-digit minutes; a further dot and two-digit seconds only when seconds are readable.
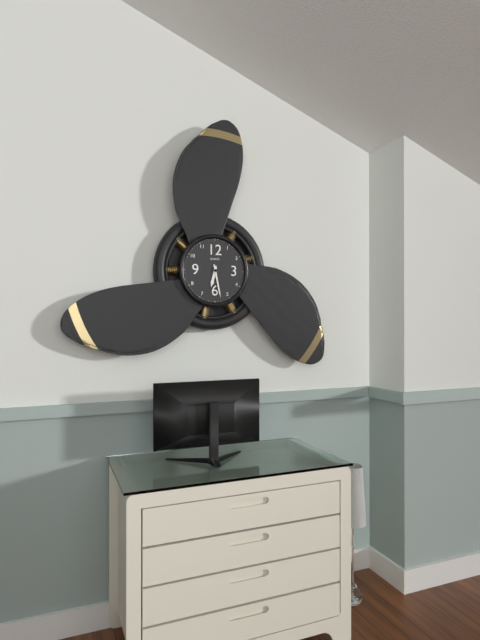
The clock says 6.28
